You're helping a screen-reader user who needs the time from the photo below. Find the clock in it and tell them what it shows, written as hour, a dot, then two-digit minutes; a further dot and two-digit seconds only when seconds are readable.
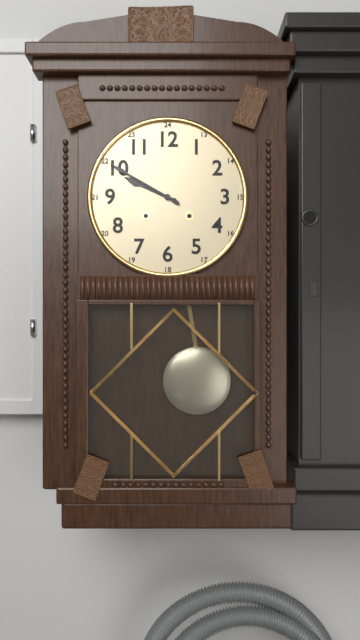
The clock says 9.50
